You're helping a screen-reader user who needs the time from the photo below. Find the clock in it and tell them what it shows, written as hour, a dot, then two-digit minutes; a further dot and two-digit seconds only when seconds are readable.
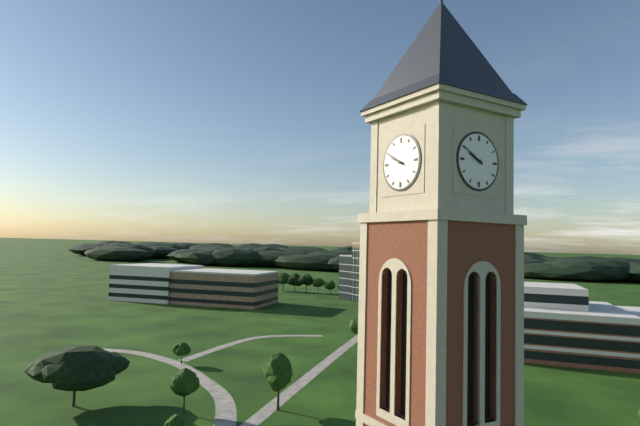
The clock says 9.50
